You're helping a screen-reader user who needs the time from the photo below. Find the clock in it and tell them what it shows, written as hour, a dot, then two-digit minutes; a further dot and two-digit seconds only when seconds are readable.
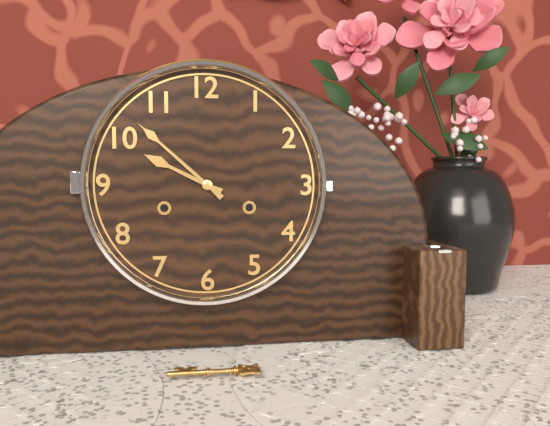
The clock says 9.52
